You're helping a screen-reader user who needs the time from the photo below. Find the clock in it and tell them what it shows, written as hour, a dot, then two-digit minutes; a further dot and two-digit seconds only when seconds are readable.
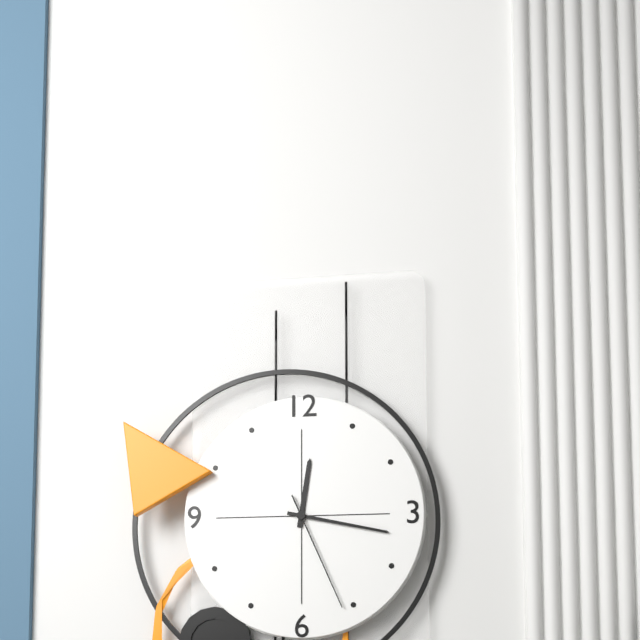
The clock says 12.17.26
